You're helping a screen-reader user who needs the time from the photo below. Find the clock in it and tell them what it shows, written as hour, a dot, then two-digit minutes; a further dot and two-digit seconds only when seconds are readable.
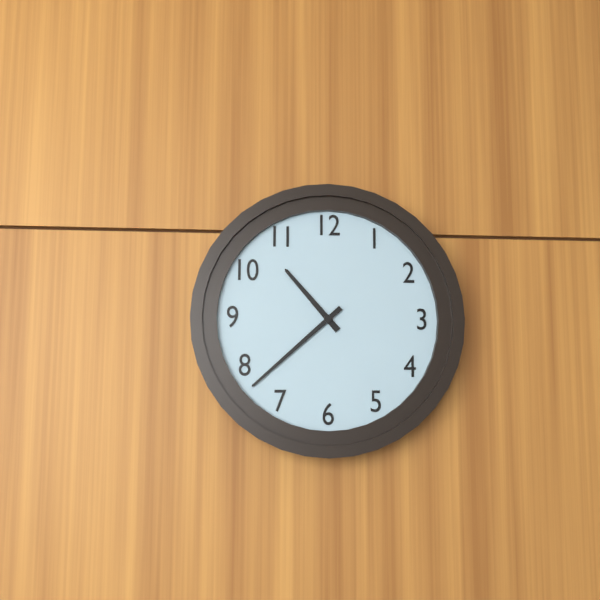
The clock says 10.38
